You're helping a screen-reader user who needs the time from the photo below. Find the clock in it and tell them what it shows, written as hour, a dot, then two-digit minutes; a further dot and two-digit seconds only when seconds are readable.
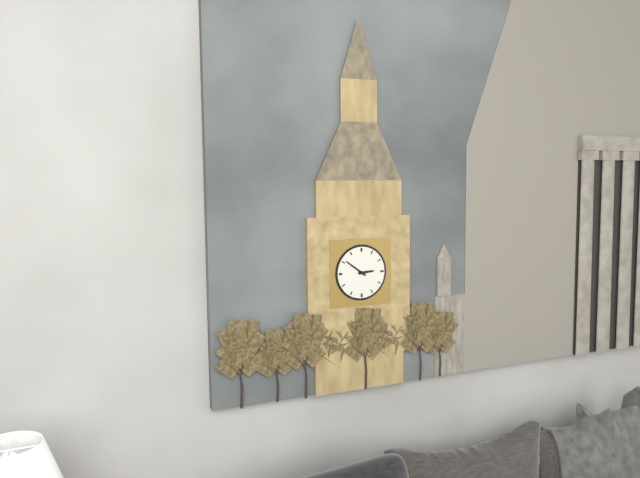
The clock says 2.51
